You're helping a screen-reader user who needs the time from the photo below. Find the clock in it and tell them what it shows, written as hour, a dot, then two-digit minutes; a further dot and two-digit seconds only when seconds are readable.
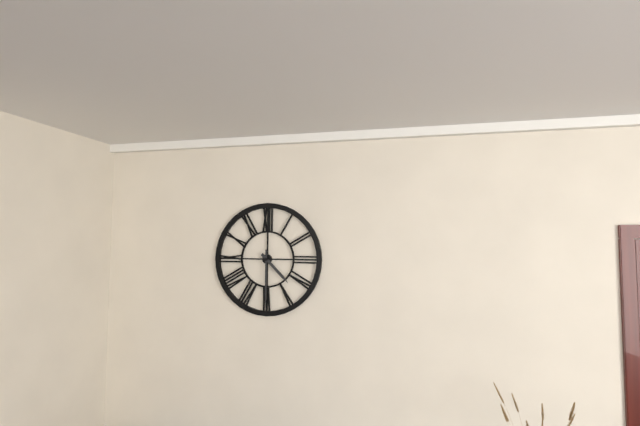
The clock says 4.30
